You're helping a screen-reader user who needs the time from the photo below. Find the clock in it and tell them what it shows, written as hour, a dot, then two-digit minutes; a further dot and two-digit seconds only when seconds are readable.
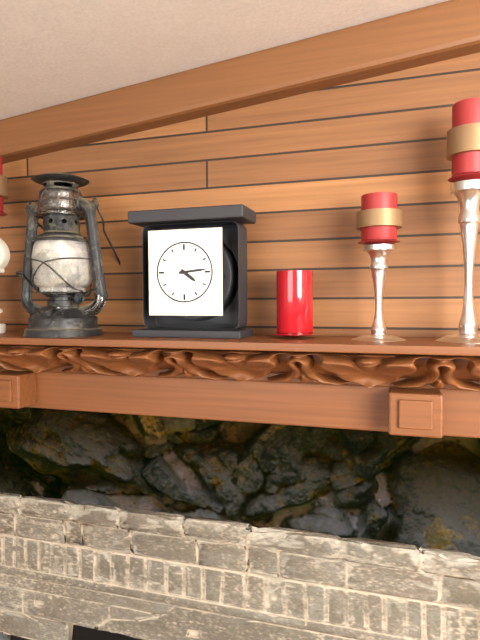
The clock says 4.14
